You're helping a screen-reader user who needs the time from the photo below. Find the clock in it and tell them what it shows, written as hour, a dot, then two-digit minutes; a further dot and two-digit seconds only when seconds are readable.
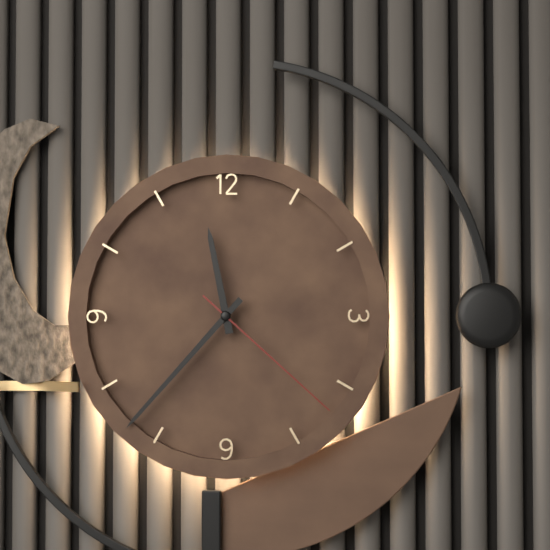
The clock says 11.37.22
